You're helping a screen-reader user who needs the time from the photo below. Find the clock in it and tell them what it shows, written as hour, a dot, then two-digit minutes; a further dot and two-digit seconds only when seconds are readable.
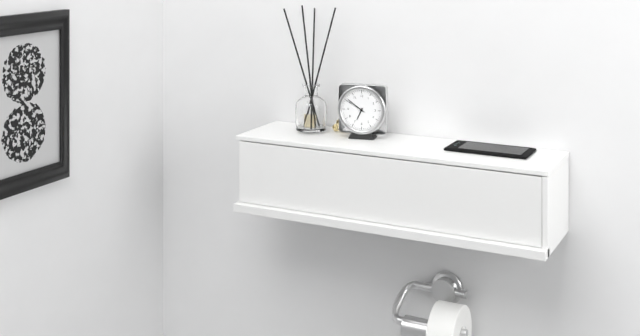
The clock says 6.51
